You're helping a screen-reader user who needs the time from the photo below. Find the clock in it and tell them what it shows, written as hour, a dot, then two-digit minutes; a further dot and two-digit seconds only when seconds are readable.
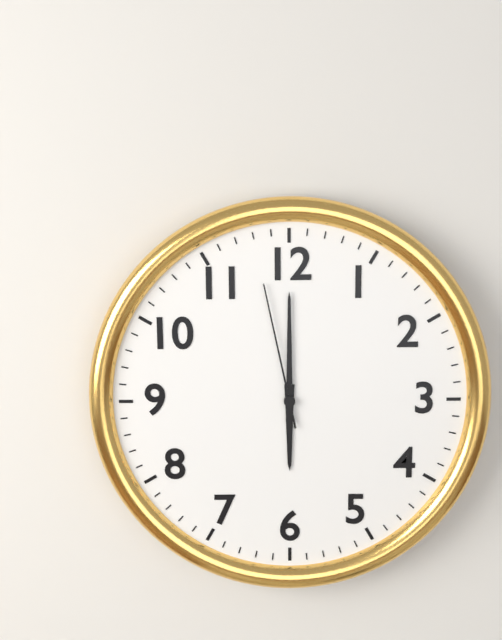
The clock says 6.00.58
